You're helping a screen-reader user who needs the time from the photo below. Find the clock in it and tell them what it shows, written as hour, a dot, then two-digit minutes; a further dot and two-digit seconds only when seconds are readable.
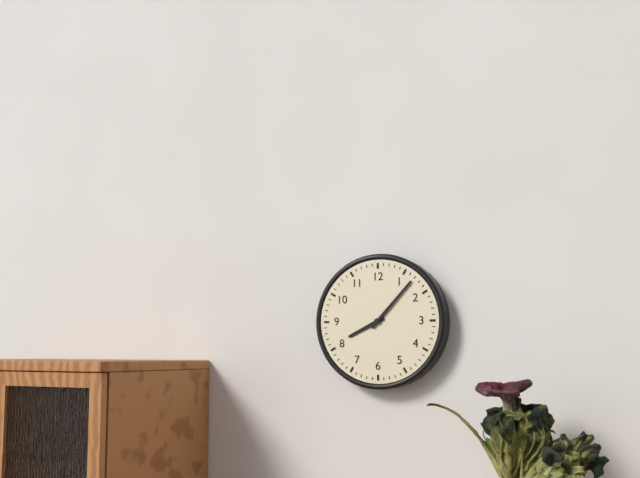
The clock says 8.07
